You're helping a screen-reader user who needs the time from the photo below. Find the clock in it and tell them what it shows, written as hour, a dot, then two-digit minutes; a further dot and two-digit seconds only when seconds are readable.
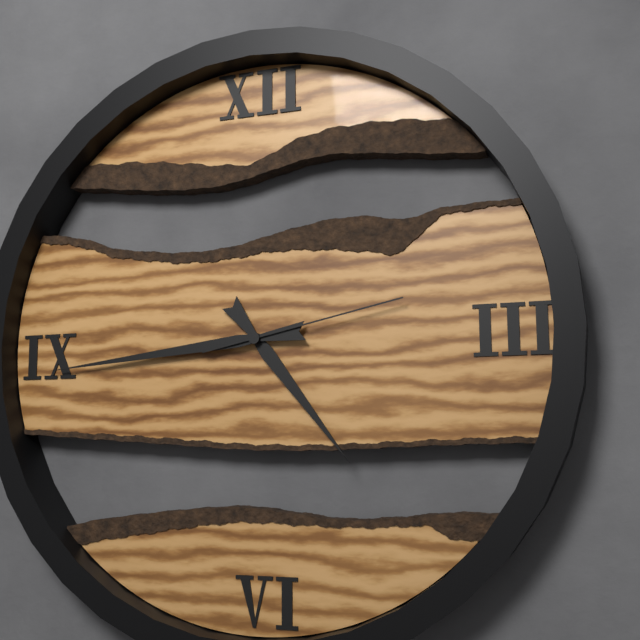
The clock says 4.44.13
